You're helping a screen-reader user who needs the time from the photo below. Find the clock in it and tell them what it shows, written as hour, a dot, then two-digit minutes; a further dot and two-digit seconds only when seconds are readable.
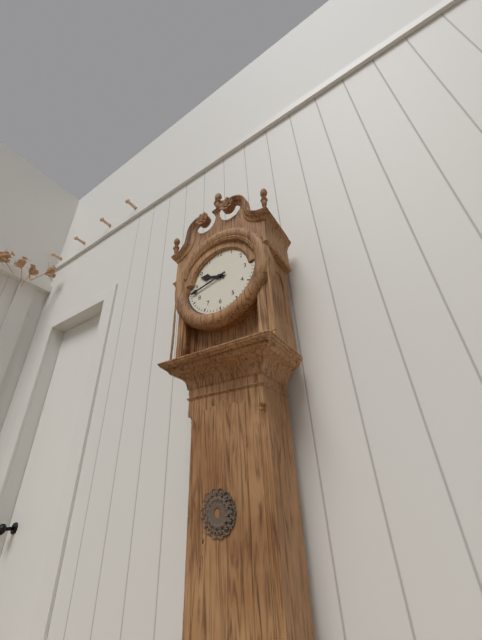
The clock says 9.43
